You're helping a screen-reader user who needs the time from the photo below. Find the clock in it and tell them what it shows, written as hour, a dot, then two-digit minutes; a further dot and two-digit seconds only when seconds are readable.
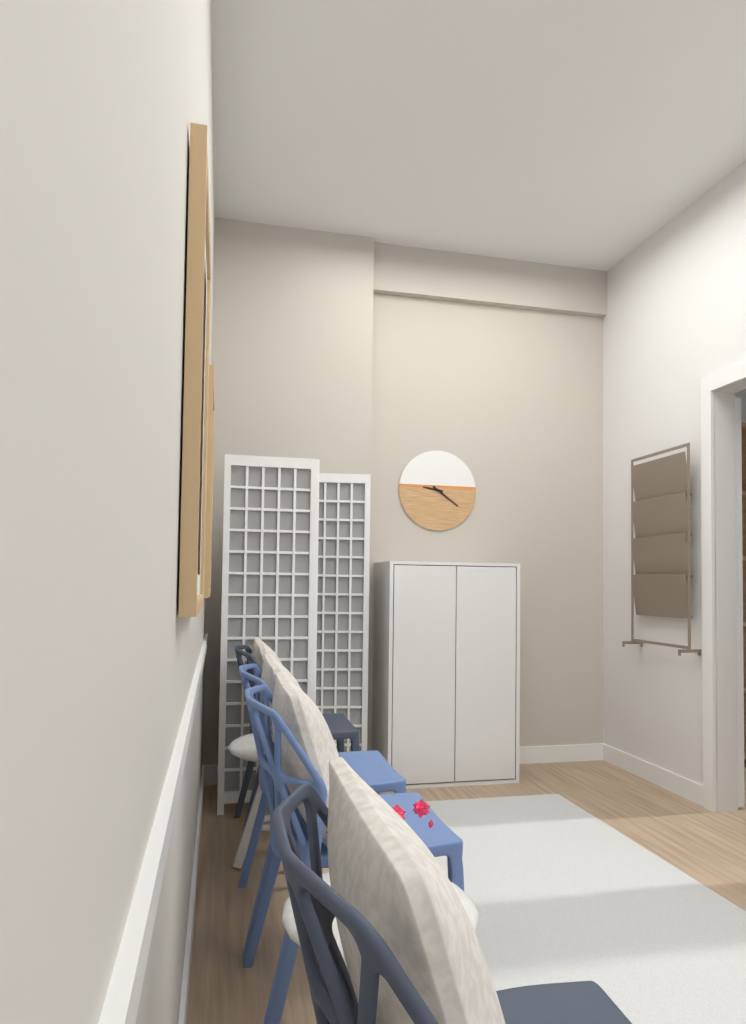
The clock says 9.21
